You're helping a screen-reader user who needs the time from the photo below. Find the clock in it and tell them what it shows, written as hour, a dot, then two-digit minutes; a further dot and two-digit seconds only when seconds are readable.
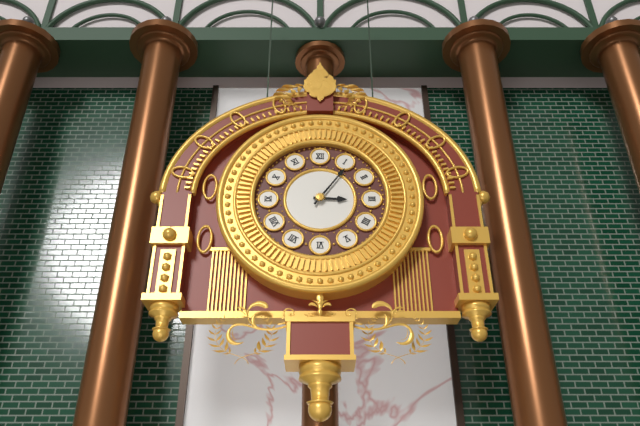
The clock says 3.06
